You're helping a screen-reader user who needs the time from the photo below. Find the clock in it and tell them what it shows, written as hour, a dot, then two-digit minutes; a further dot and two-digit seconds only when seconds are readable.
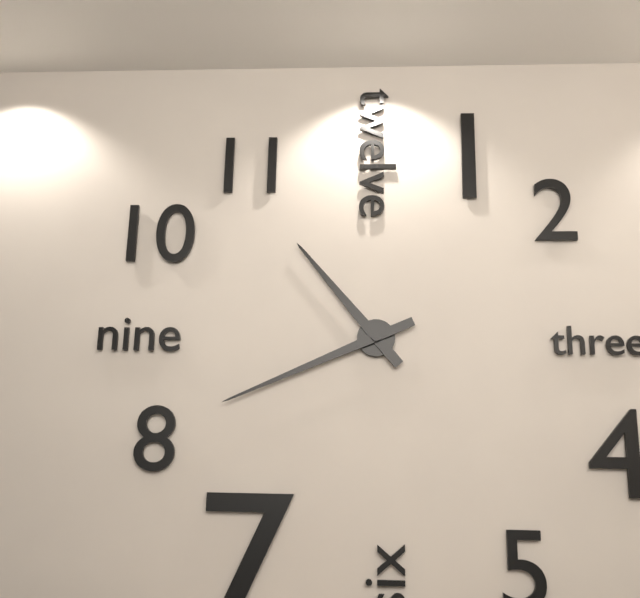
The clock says 10.41
